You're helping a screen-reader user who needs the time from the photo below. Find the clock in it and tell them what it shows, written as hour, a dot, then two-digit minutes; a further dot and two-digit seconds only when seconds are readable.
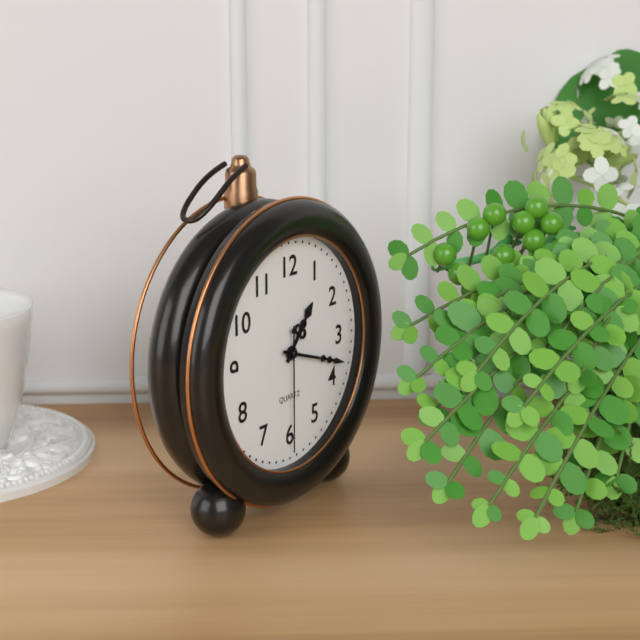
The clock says 1.18.30
